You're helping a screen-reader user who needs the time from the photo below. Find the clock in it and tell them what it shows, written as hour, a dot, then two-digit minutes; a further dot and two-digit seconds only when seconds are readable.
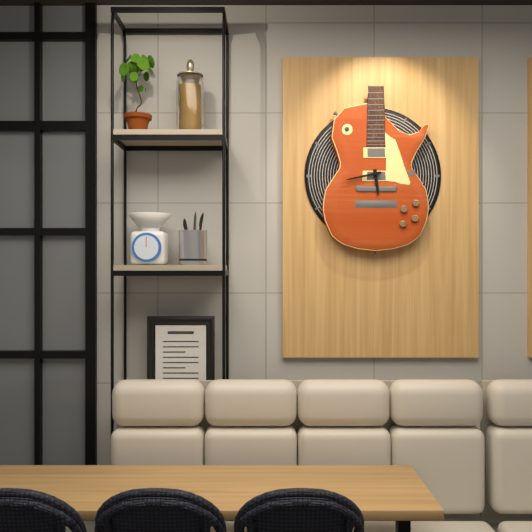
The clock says 5.43
